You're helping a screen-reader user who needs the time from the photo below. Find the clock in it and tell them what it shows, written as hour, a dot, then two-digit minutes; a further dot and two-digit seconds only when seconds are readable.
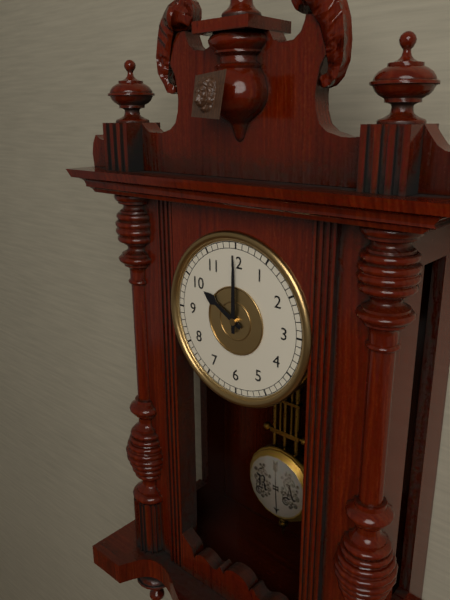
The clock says 10.00
